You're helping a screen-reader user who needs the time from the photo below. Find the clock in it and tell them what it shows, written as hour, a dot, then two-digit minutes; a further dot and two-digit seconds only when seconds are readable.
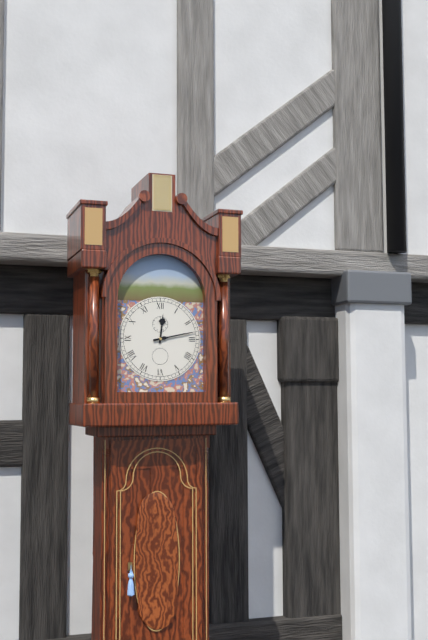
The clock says 12.13
